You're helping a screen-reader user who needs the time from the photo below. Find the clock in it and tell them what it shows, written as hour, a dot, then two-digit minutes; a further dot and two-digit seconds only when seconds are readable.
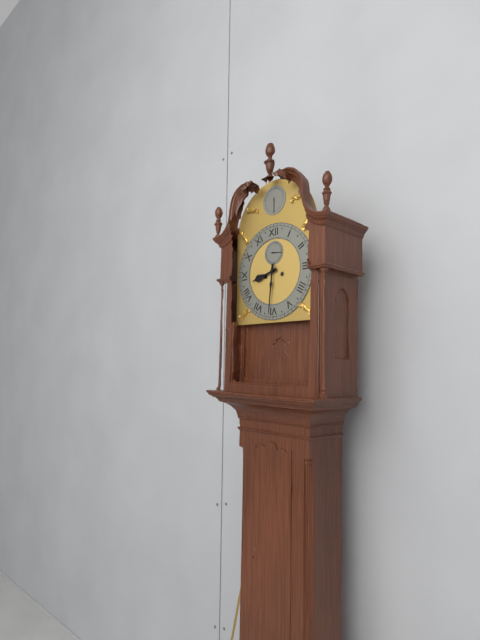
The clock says 8.31
